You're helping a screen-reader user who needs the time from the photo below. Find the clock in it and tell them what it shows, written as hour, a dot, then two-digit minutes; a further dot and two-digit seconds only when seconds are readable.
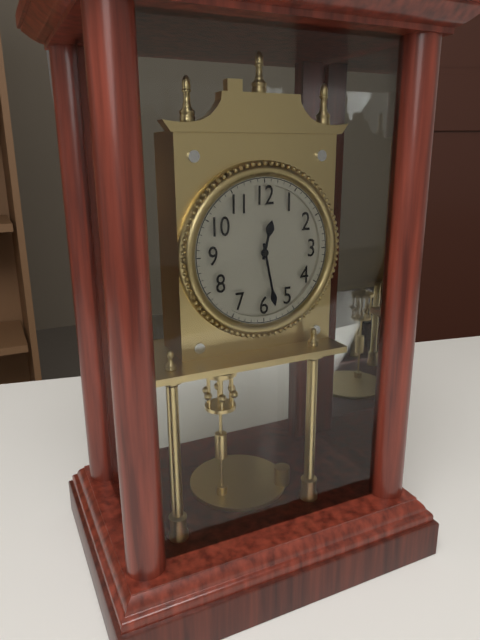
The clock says 12.28
